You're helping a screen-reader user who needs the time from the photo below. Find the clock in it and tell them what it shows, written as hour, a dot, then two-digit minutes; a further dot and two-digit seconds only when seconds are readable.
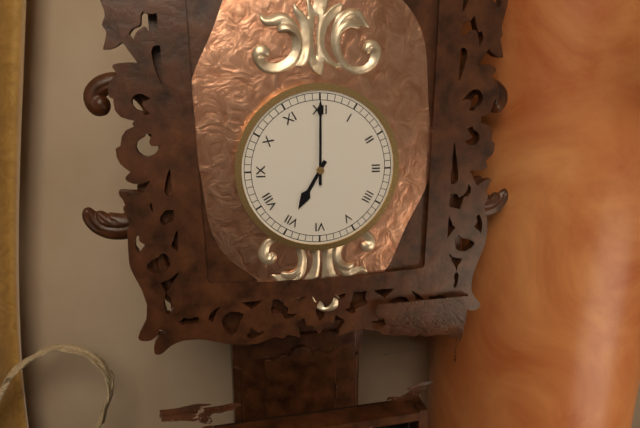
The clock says 7.00
